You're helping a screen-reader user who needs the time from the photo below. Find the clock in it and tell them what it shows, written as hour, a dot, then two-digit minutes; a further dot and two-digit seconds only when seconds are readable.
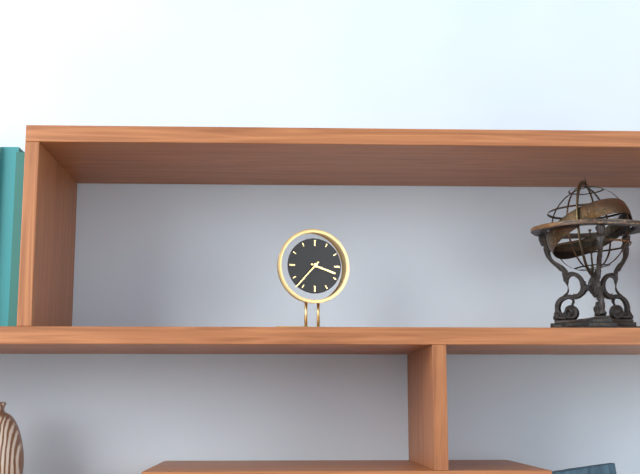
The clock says 3.37
